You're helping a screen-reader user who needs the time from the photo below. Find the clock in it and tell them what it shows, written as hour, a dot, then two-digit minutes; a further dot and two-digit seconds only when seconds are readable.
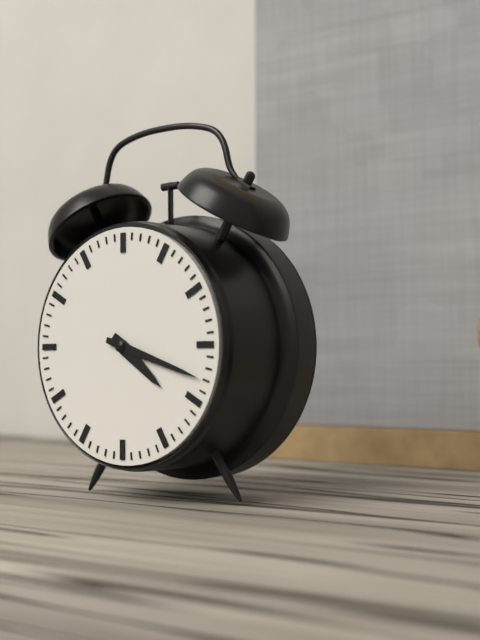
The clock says 4.18
